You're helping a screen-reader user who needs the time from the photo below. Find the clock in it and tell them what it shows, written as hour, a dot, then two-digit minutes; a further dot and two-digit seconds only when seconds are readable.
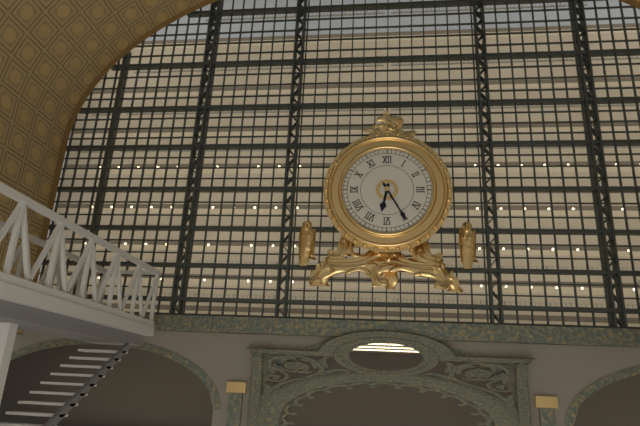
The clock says 6.25
